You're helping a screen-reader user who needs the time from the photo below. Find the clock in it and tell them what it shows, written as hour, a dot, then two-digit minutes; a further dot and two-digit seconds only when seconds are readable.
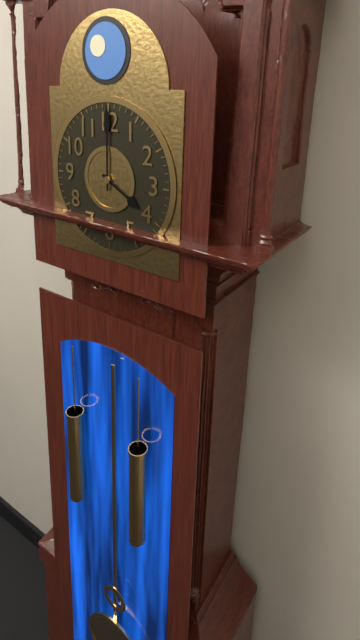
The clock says 4.00
